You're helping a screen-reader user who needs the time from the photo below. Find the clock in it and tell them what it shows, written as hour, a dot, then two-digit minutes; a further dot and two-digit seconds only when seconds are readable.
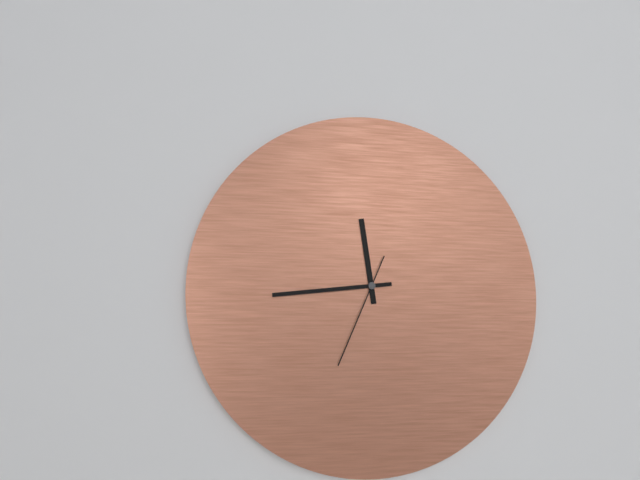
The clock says 11.44.34
